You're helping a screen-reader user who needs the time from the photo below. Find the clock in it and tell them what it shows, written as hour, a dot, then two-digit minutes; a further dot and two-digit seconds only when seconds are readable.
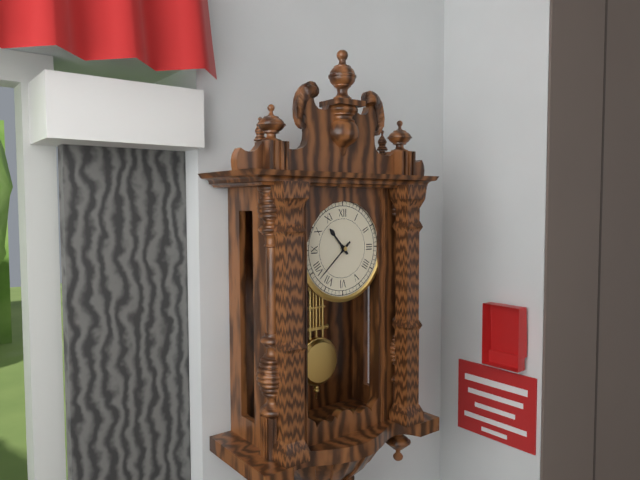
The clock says 10.38
